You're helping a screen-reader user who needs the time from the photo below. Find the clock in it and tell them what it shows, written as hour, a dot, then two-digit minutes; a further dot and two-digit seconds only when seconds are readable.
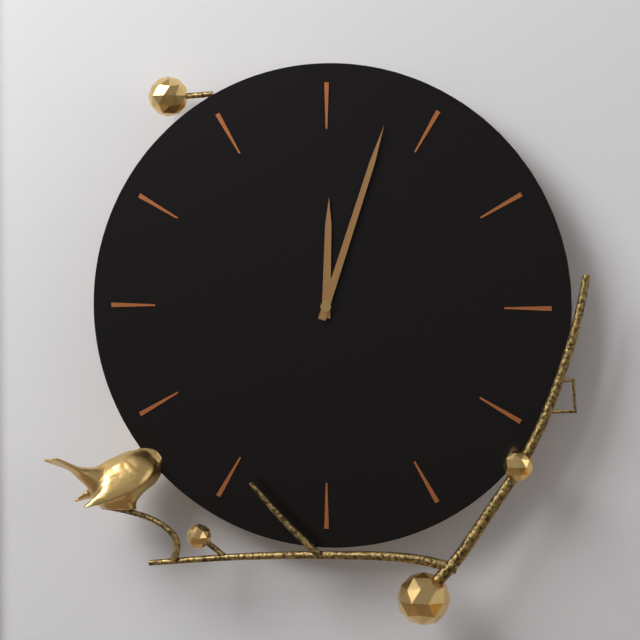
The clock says 12.03
